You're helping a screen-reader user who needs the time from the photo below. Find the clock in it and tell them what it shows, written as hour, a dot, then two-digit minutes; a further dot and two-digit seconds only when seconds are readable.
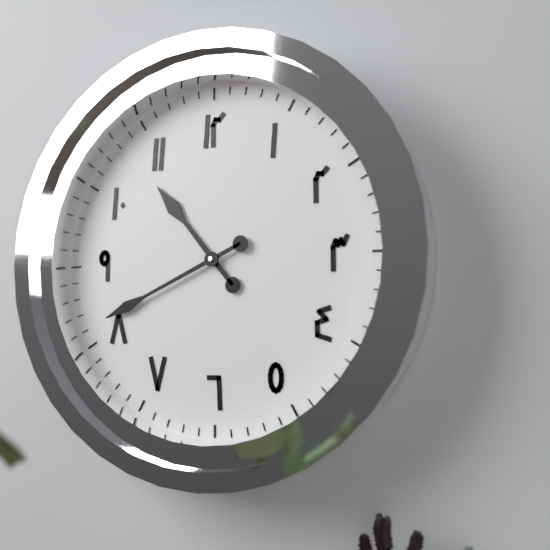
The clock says 10.41
